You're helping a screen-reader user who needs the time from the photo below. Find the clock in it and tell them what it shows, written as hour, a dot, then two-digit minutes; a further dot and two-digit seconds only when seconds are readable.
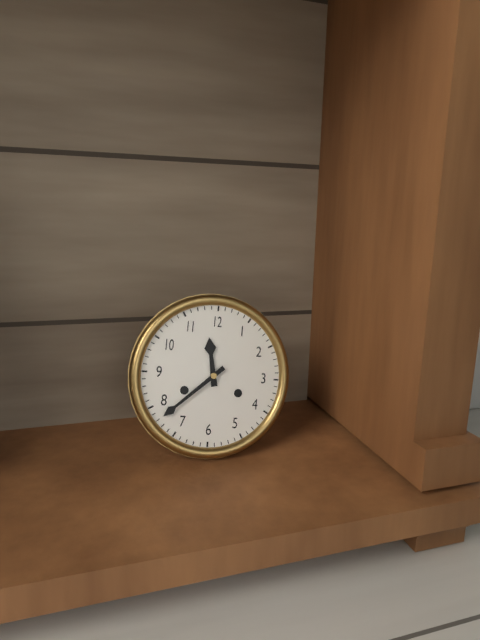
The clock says 11.38
